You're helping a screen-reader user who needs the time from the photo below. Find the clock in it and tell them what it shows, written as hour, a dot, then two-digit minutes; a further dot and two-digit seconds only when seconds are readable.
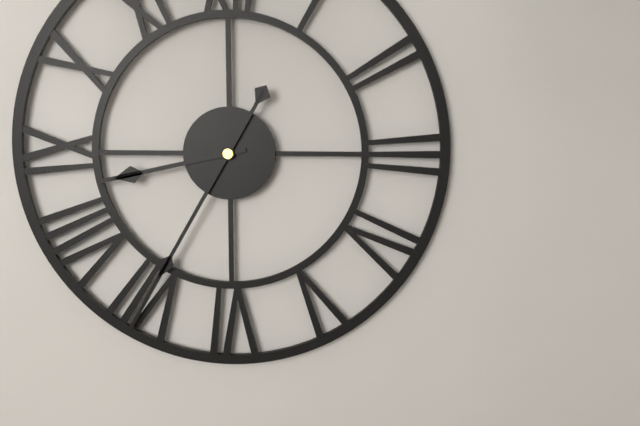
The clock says 8.35
